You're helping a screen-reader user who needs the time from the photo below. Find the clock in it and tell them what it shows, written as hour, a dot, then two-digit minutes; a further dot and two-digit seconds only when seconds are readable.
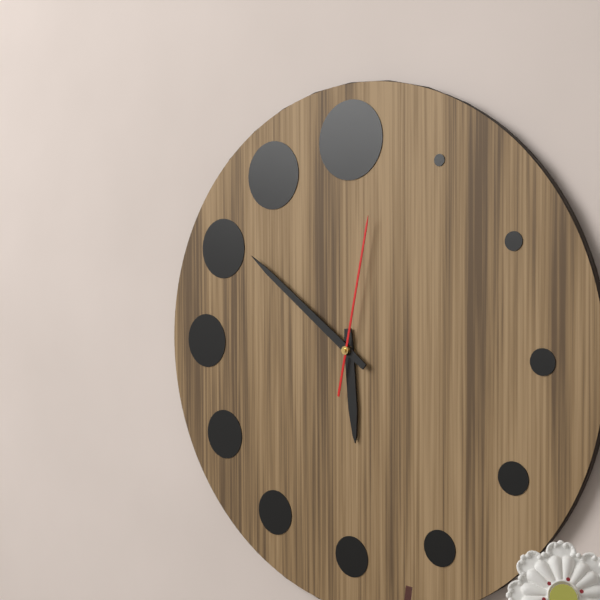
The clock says 5.51.02
